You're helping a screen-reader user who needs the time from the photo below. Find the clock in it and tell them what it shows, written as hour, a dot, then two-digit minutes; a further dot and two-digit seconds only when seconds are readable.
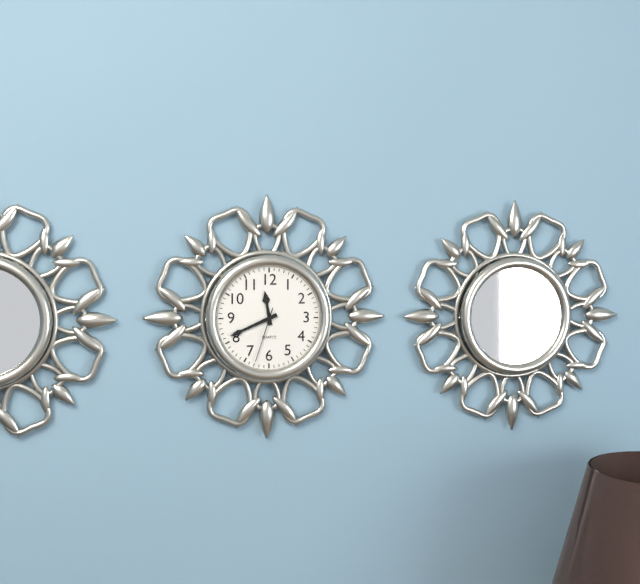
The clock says 11.41.33
